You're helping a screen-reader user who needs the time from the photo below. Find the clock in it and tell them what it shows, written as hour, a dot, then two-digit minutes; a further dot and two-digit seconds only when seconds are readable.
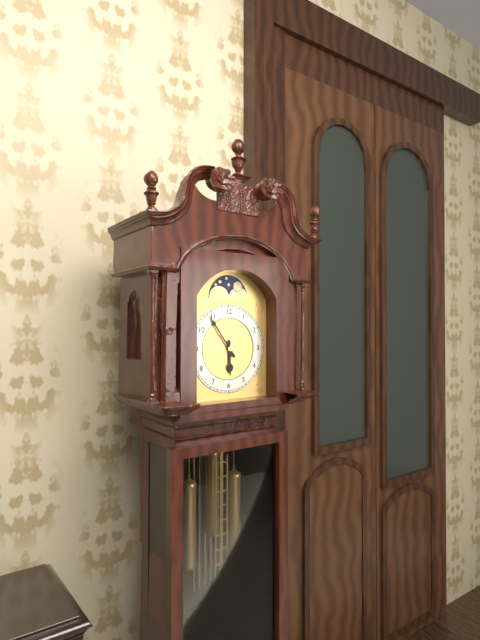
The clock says 5.54
